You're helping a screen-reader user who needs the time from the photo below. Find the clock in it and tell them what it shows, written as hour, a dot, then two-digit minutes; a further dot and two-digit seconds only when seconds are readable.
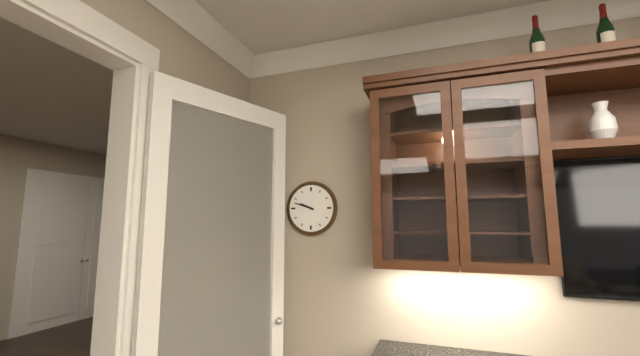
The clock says 9.48
